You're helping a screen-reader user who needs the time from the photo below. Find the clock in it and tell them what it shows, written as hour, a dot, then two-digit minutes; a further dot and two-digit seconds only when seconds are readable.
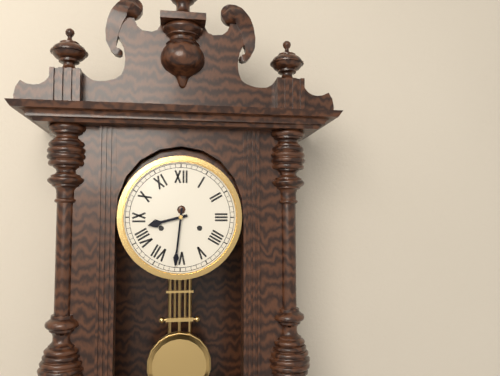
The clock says 8.31
